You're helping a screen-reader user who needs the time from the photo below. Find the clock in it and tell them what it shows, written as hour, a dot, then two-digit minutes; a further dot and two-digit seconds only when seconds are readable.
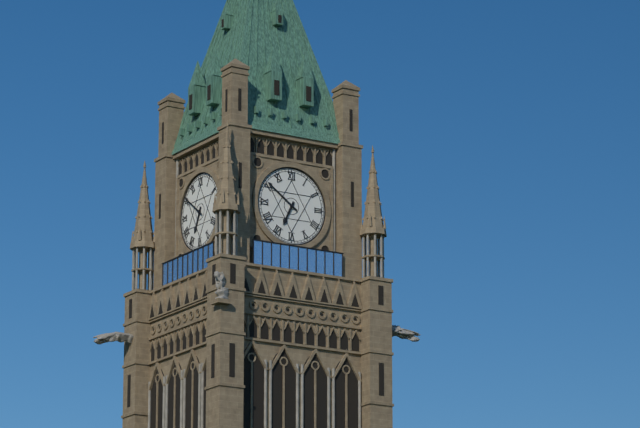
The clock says 6.51
